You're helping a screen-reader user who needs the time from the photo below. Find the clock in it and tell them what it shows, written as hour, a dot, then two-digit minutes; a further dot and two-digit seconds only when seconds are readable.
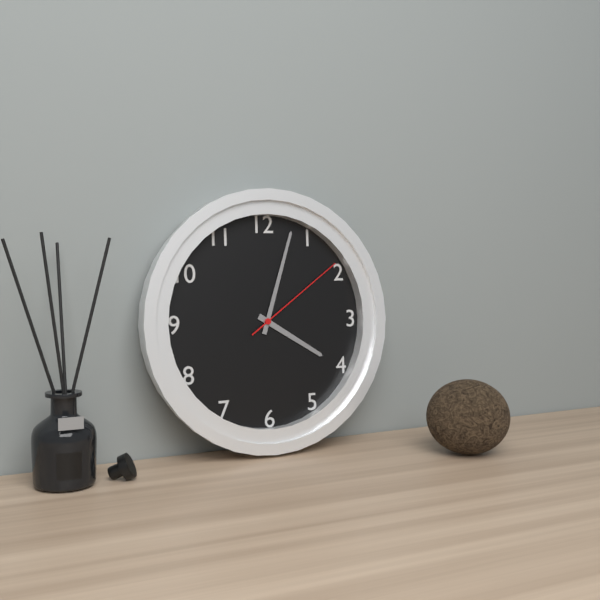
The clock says 4.03.09
